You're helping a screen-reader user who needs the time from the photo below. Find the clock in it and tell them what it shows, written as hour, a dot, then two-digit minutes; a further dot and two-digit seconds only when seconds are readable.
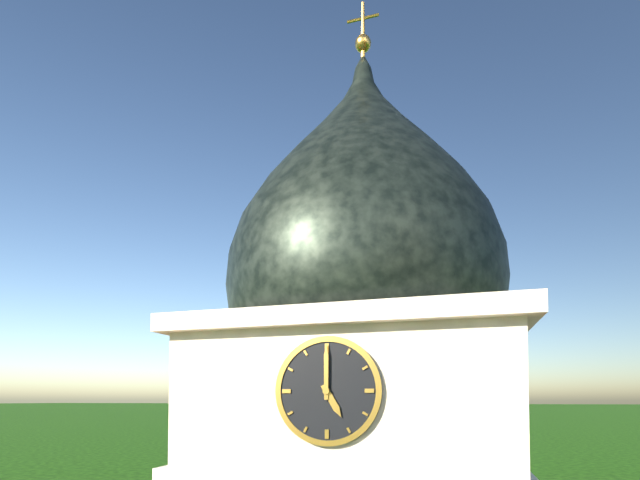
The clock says 5.00
